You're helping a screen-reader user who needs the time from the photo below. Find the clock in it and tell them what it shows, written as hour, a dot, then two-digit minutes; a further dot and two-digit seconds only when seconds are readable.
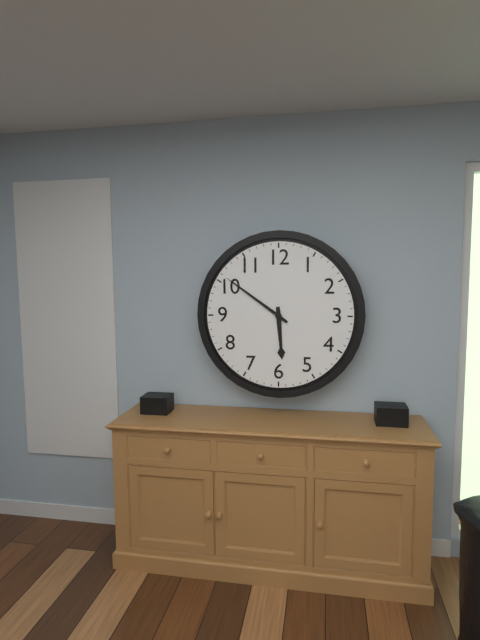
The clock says 5.51
